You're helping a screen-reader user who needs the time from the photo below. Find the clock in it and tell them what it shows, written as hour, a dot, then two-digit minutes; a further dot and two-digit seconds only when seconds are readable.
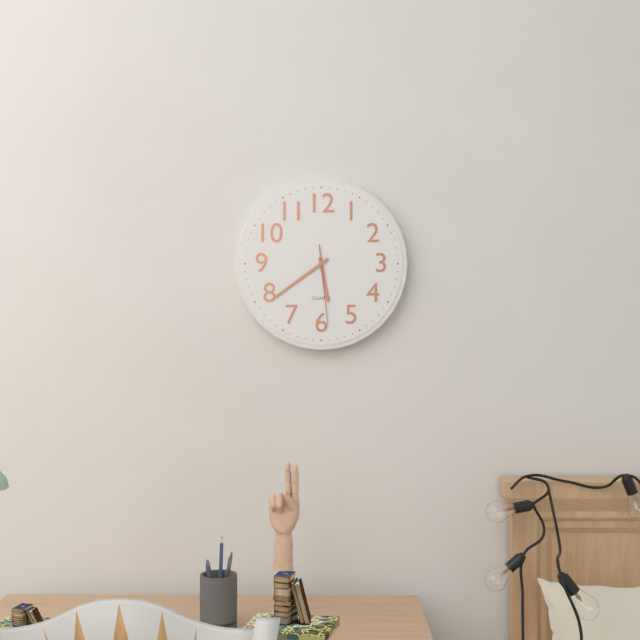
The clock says 5.39.29
